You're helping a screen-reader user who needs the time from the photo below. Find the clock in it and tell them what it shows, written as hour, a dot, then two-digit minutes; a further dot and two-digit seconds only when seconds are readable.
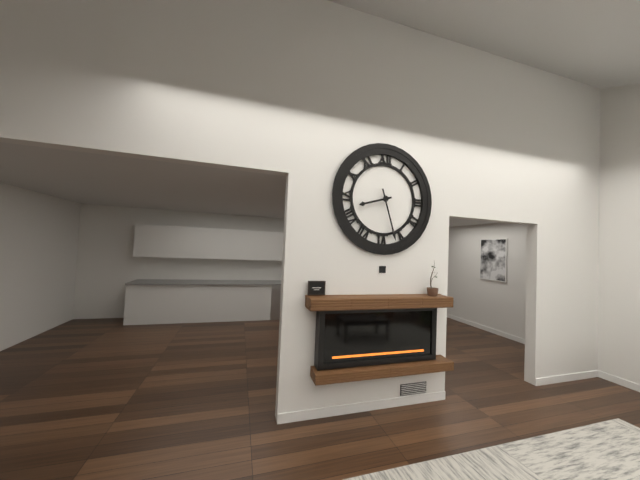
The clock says 8.27
